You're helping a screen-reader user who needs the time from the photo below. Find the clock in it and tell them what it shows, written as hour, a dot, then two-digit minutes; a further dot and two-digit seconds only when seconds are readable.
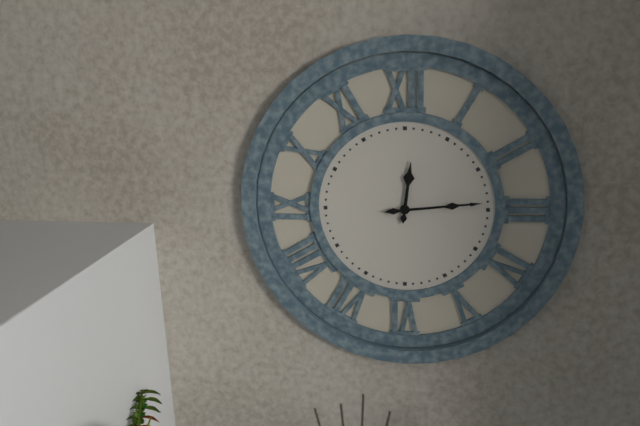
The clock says 12.14
